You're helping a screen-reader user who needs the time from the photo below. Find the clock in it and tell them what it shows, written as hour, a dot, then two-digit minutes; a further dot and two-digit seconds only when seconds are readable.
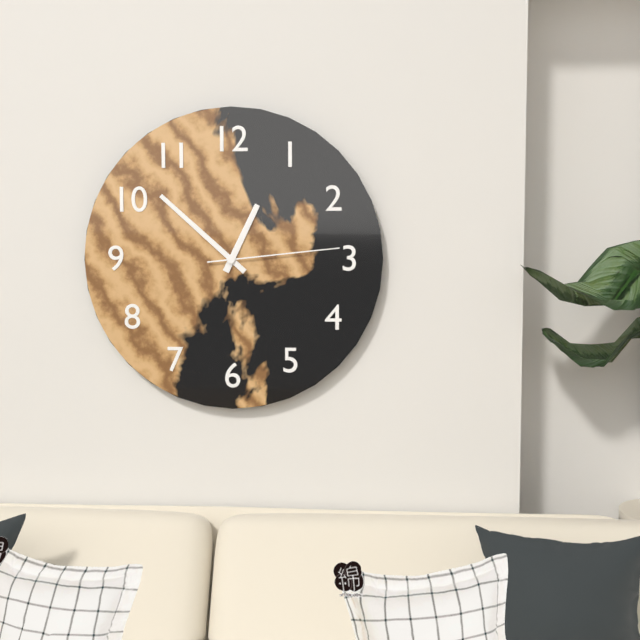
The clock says 12.52.14
